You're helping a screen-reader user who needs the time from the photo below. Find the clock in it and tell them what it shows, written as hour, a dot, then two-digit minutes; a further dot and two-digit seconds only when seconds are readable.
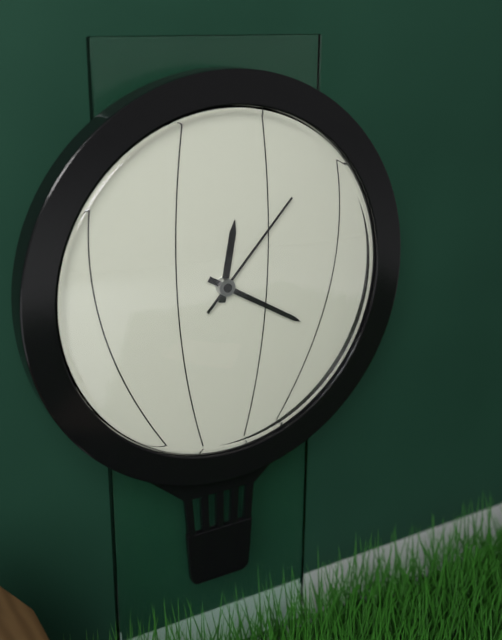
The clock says 12.20.07
